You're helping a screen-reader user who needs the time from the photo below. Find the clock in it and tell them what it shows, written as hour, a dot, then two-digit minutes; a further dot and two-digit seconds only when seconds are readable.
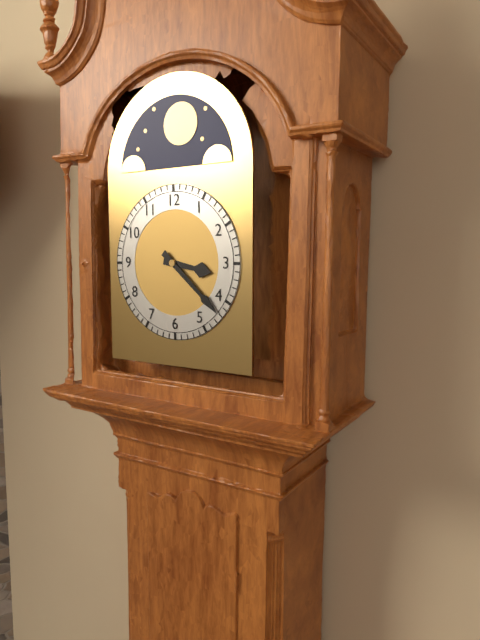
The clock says 3.22
